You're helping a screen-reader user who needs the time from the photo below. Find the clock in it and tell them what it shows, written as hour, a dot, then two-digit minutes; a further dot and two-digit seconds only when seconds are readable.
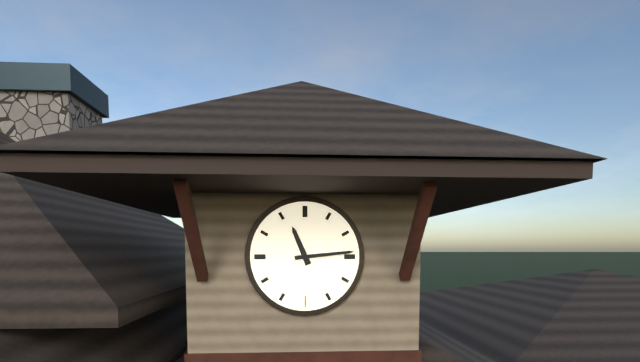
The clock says 11.14
